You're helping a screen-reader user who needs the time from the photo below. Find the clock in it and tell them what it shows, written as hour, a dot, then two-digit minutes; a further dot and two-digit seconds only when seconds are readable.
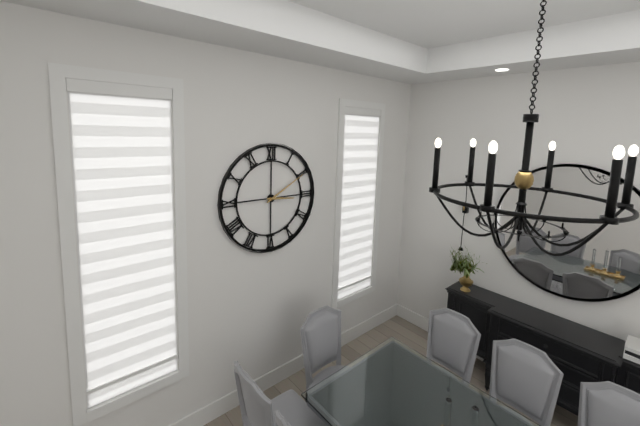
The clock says 3.10
